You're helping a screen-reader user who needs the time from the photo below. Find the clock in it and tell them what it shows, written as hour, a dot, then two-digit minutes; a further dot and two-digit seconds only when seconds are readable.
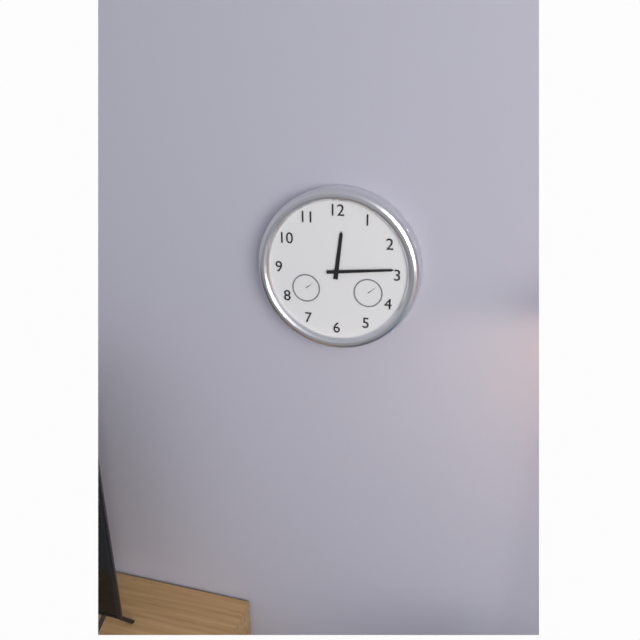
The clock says 12.14
